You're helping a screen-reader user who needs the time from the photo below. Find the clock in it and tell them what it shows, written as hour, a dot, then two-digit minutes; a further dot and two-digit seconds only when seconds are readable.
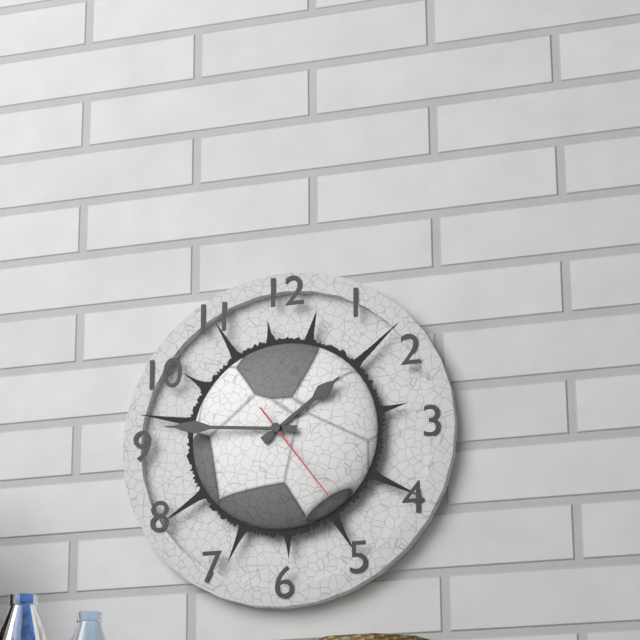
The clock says 1.46.24
